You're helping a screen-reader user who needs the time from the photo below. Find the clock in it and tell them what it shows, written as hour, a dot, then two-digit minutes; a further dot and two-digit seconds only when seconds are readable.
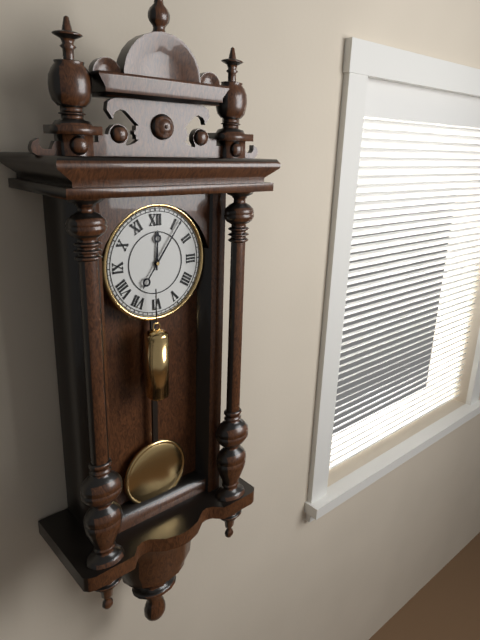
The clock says 12.06
